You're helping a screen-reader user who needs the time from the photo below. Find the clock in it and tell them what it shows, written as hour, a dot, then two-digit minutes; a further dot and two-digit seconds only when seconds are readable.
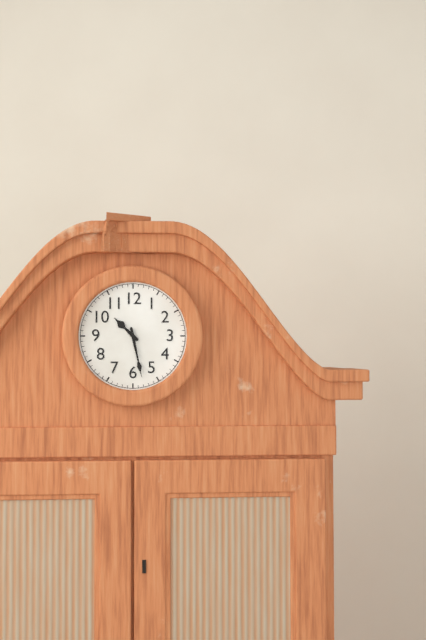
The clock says 10.28
